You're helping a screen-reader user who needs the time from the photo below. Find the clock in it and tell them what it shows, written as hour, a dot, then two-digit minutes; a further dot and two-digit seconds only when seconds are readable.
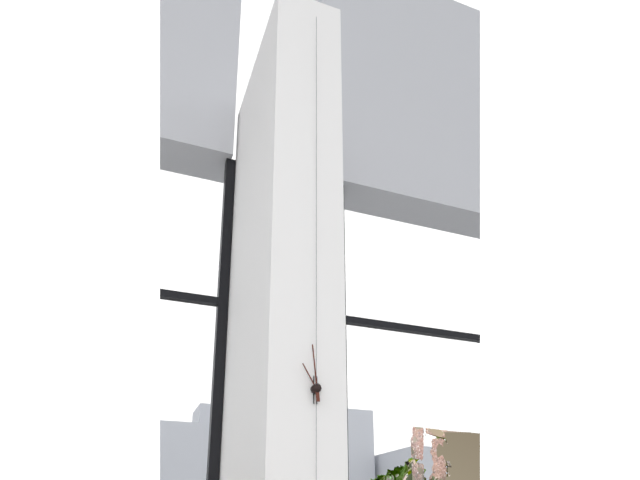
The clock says 10.59
